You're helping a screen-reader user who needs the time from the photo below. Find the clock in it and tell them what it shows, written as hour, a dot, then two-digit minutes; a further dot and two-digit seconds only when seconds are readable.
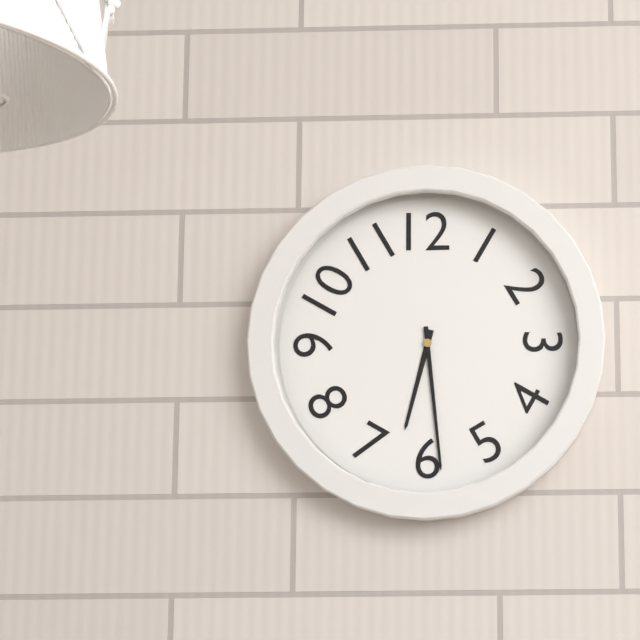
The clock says 6.29
